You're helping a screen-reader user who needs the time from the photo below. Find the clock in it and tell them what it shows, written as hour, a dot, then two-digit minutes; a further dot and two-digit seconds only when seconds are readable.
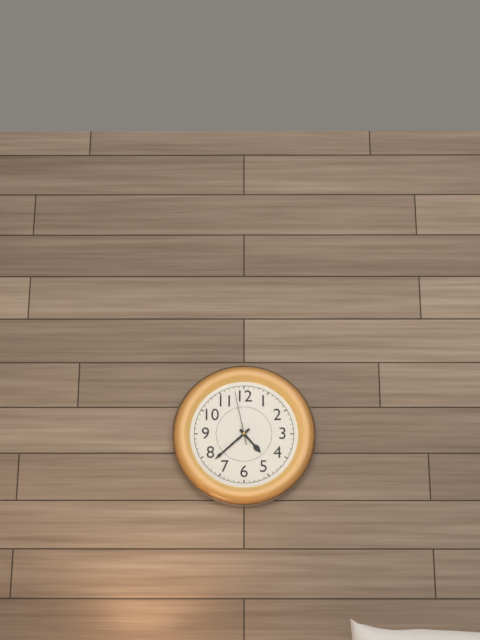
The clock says 4.38.58
